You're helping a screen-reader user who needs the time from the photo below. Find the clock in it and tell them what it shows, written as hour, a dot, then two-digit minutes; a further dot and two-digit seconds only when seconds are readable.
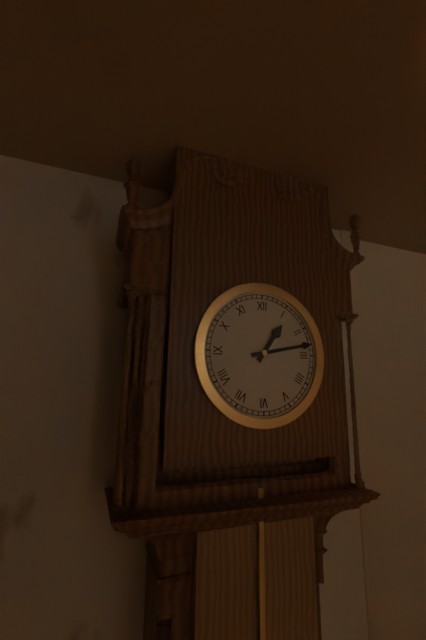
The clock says 1.13
